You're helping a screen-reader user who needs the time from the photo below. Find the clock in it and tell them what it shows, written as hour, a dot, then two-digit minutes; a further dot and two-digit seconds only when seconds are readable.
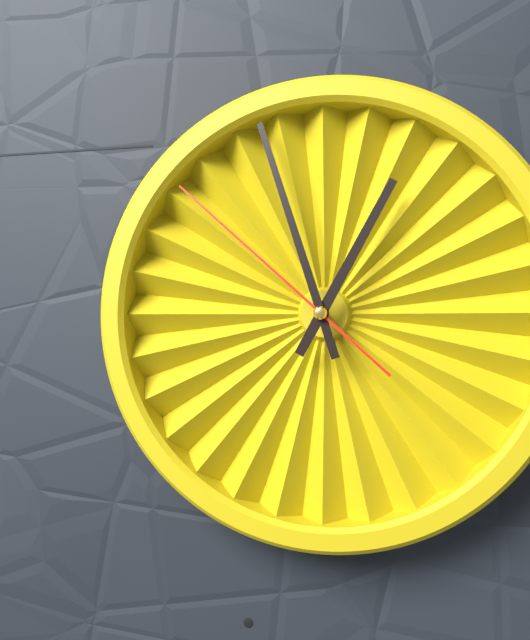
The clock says 12.57.52
